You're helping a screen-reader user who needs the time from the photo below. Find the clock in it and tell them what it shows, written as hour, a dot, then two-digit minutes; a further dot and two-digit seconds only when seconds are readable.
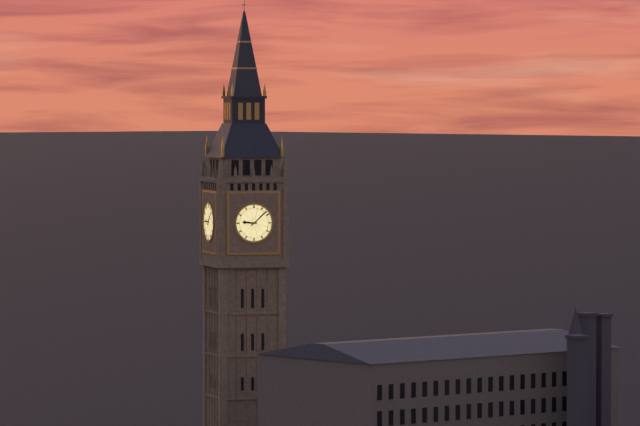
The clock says 9.08
